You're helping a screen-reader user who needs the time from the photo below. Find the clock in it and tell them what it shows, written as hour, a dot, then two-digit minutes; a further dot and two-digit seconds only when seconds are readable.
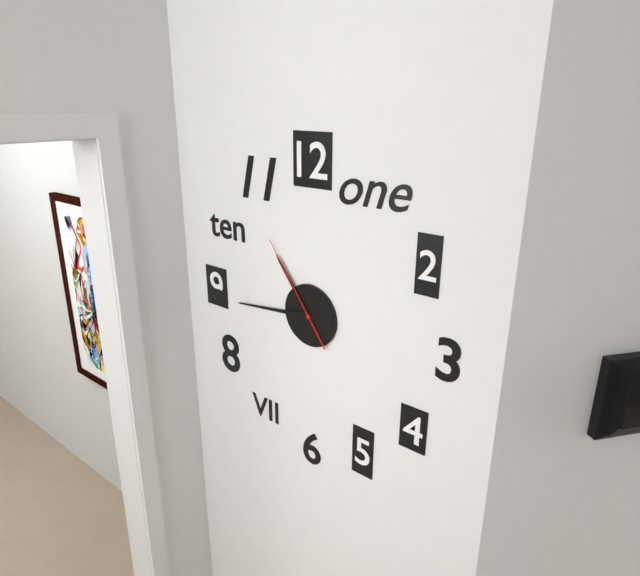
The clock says 10.44.54
